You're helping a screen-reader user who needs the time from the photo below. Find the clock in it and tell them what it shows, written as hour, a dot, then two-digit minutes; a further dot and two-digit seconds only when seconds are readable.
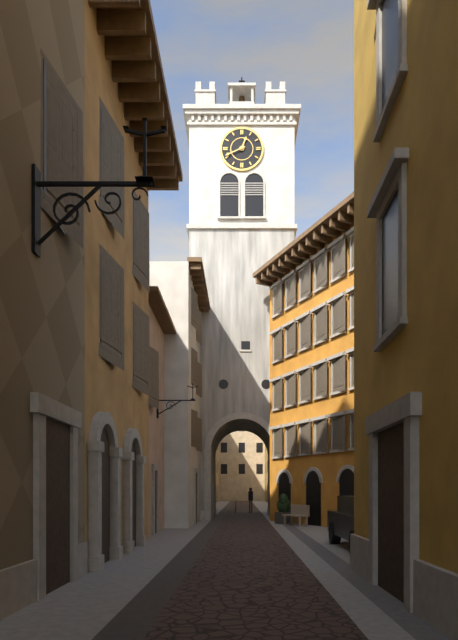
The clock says 12.41
